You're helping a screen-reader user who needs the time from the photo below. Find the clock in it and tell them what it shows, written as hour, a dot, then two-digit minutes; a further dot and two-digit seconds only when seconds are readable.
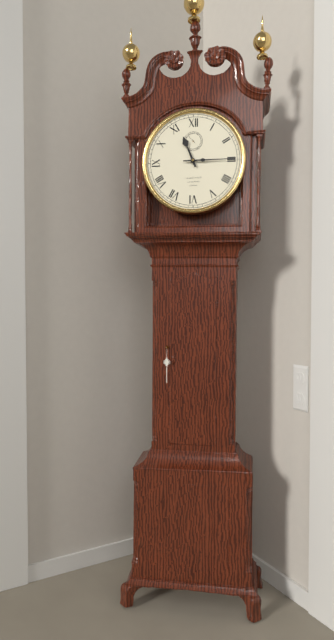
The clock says 11.15
